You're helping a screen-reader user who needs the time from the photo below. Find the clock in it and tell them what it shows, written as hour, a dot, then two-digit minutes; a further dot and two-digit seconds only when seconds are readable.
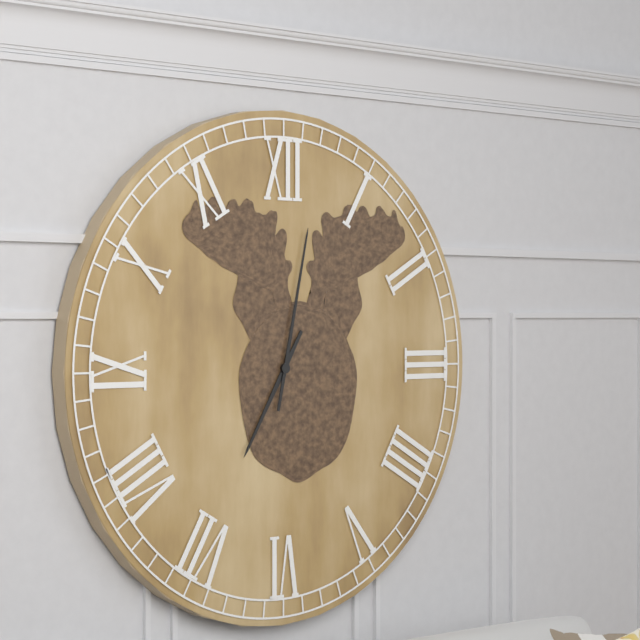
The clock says 7.02
